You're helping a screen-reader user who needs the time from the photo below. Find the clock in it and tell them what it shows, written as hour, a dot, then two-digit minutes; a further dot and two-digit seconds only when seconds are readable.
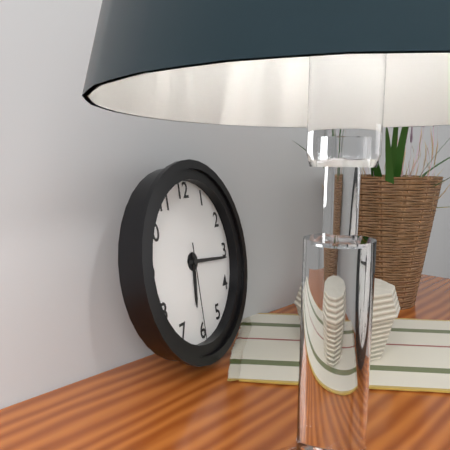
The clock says 6.16.30
